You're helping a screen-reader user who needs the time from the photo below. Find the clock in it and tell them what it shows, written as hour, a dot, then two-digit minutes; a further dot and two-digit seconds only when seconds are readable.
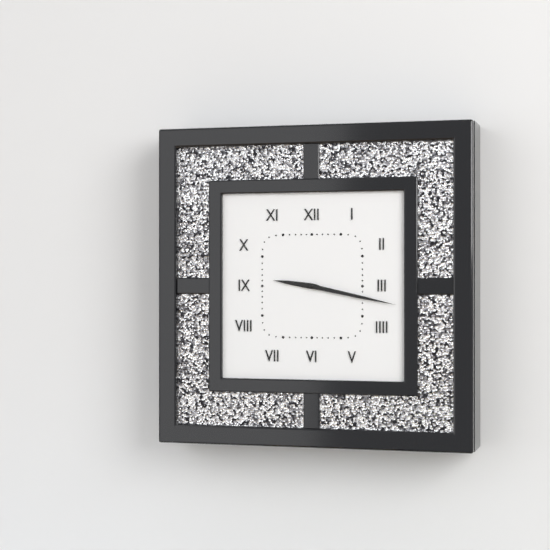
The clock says 9.17
